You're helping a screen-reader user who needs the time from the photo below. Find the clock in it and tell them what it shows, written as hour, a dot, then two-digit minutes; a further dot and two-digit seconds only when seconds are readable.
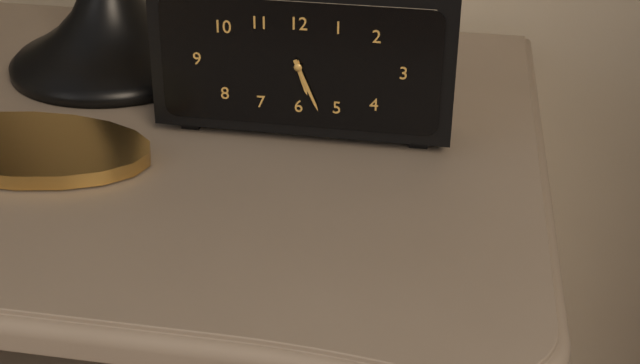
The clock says 5.26
